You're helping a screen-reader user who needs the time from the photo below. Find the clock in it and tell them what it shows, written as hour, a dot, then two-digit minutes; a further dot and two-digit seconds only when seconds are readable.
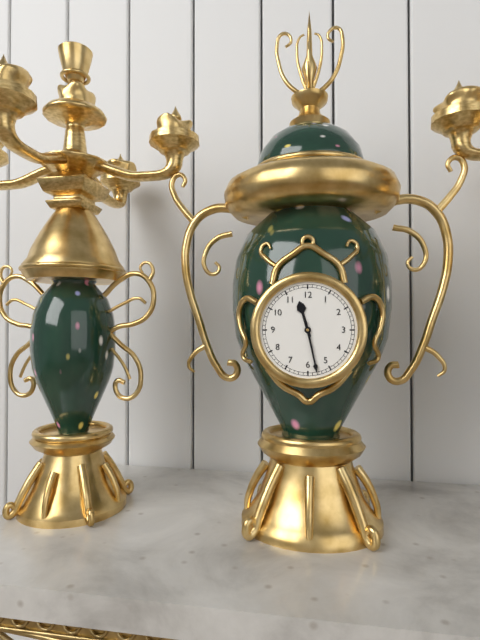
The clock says 11.28
